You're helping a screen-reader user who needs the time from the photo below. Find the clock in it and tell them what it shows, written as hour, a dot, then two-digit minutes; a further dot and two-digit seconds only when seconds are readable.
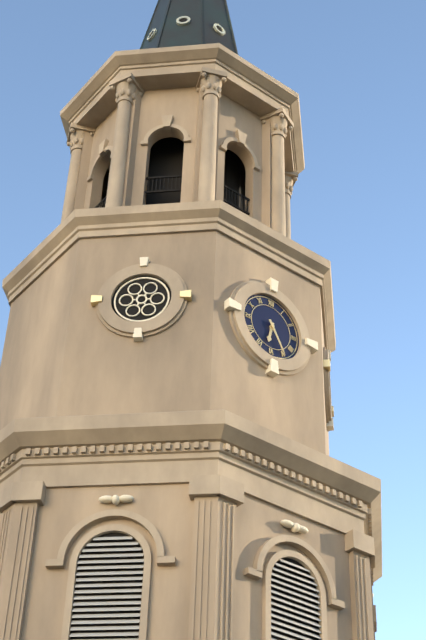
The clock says 6.25
